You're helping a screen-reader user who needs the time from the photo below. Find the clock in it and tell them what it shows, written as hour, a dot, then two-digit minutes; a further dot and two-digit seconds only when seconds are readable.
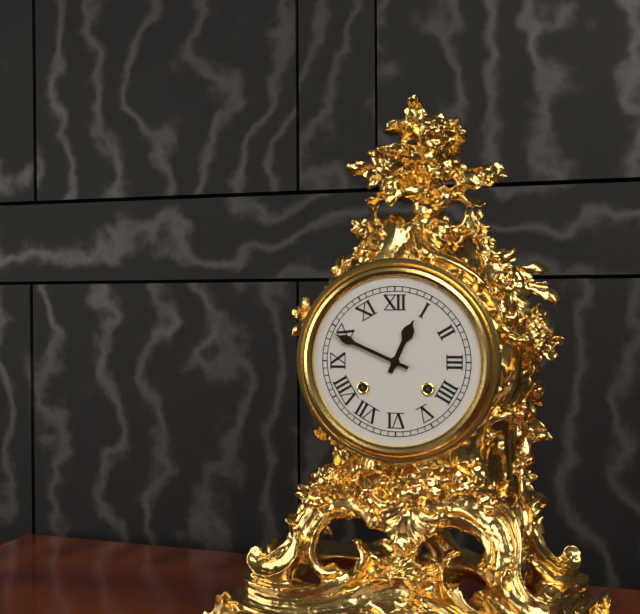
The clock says 12.49
